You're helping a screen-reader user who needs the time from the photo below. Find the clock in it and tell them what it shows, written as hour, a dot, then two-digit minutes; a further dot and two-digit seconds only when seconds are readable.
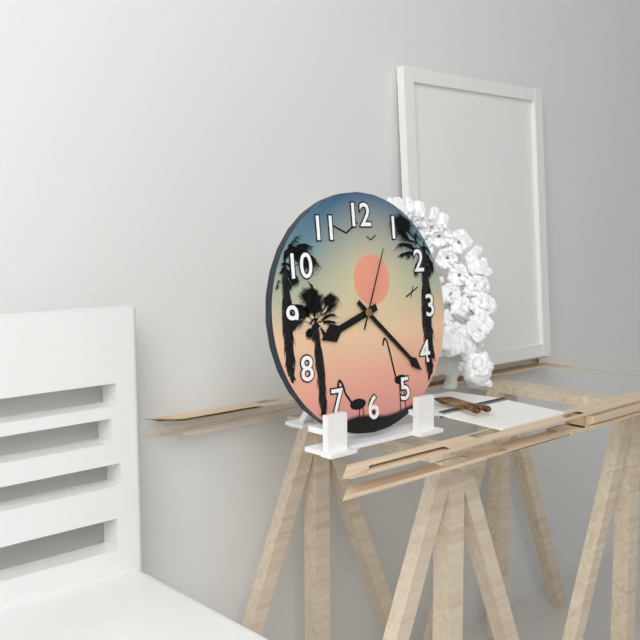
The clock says 8.22.04
